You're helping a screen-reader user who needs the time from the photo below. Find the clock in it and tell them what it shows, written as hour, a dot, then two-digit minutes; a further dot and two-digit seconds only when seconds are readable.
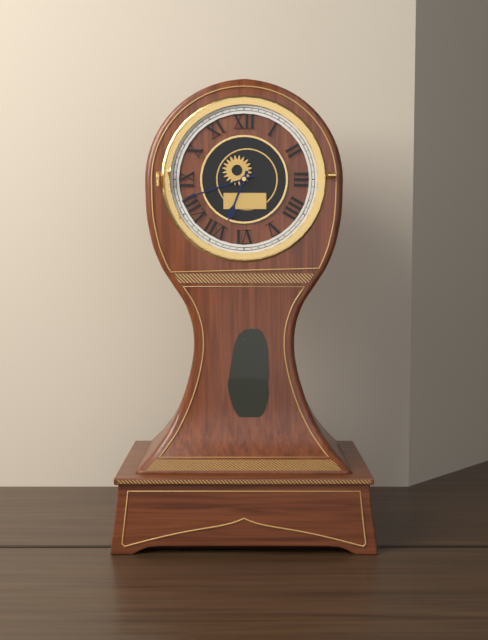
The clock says 6.42
